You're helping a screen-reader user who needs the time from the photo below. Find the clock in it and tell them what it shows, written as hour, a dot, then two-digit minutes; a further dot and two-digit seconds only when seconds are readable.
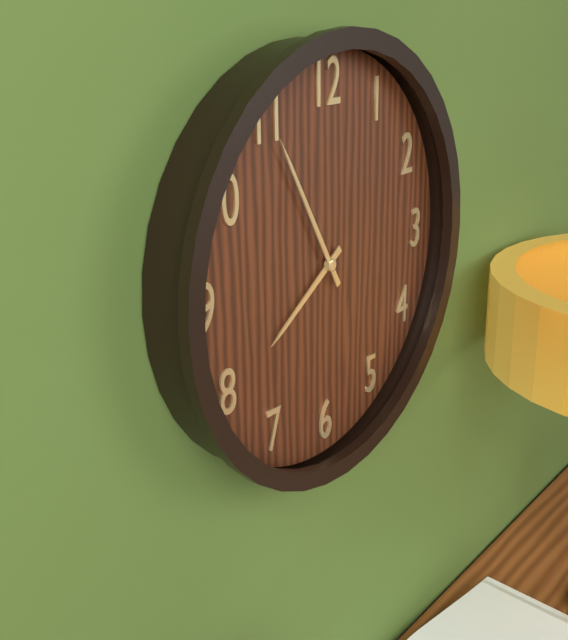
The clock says 7.55
